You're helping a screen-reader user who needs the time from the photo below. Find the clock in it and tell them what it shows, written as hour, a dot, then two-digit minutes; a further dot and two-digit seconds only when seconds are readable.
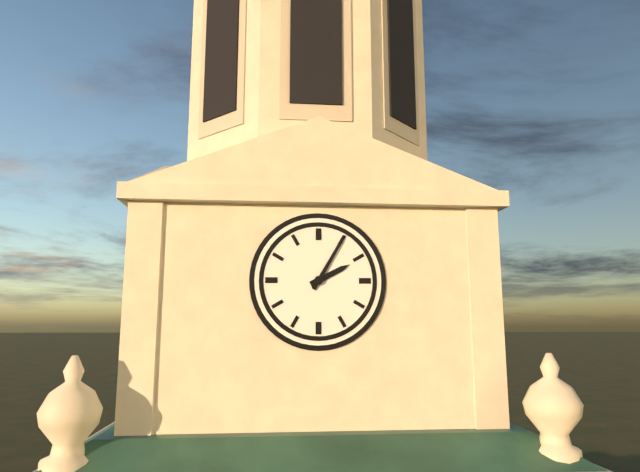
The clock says 2.05
